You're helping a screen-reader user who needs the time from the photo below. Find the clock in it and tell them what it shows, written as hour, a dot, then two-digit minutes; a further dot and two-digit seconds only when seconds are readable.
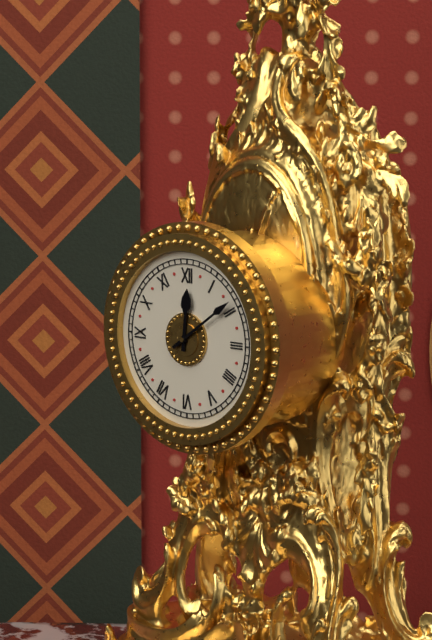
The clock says 12.09
